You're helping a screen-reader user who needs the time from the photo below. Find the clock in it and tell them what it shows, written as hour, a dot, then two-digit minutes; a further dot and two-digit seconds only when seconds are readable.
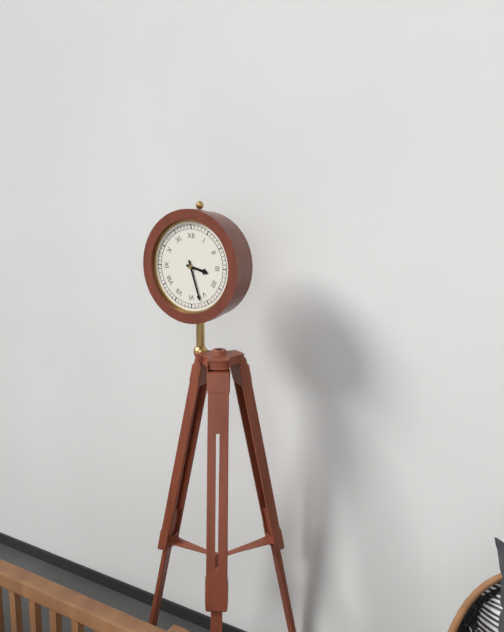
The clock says 3.27
